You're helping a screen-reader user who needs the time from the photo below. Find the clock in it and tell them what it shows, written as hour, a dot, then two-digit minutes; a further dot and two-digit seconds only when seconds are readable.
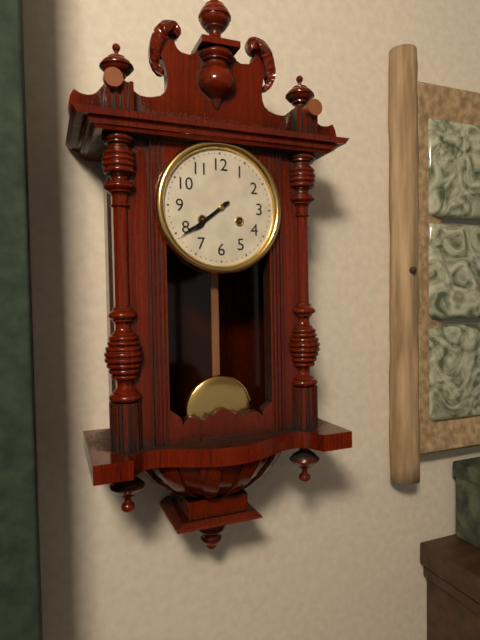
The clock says 7.39
